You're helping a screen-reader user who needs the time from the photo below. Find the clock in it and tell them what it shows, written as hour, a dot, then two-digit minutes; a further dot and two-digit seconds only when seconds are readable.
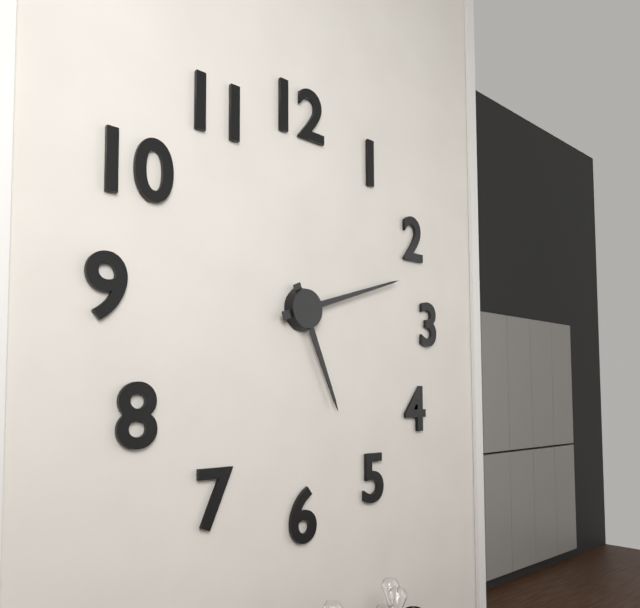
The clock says 5.12
